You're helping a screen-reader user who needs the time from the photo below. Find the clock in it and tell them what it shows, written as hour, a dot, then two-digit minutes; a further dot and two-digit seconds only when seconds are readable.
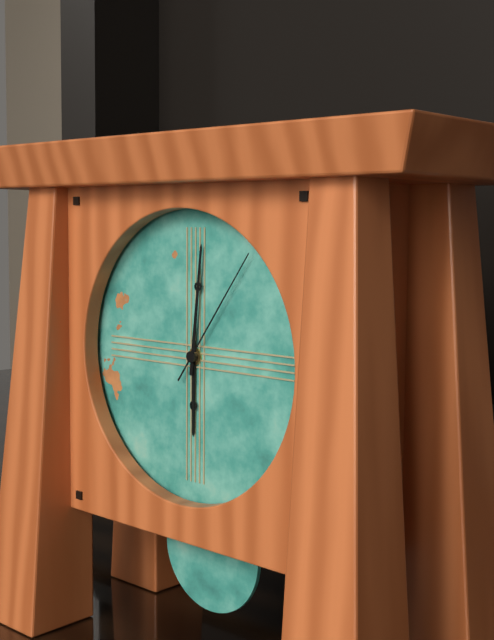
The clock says 6.01.06
